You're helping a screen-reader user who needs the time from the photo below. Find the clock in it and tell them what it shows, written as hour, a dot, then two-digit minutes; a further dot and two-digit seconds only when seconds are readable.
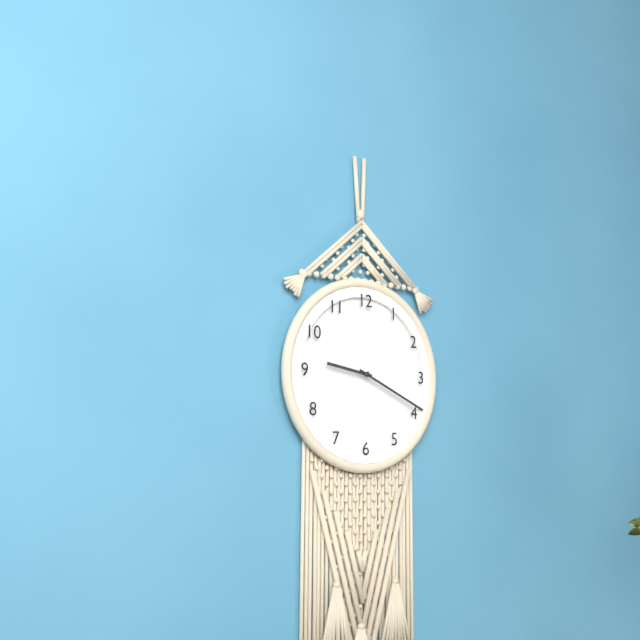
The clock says 9.19
